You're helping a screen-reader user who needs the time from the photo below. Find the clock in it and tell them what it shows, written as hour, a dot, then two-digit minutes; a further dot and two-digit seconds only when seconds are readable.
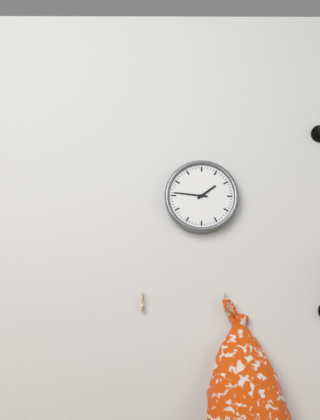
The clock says 1.46
